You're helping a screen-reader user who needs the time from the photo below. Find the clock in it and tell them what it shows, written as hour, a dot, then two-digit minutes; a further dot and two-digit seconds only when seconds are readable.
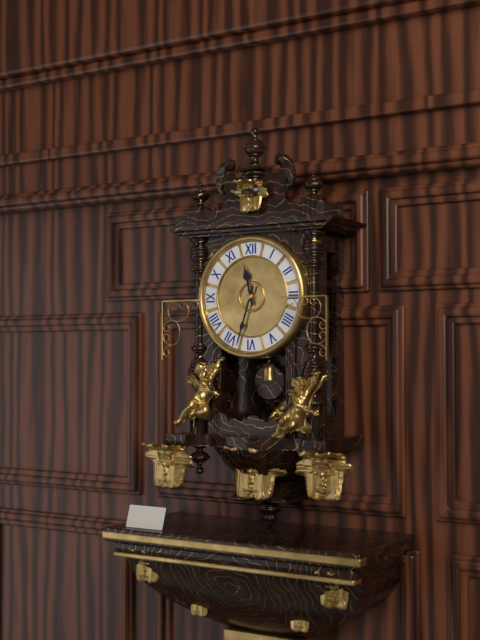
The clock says 11.33
